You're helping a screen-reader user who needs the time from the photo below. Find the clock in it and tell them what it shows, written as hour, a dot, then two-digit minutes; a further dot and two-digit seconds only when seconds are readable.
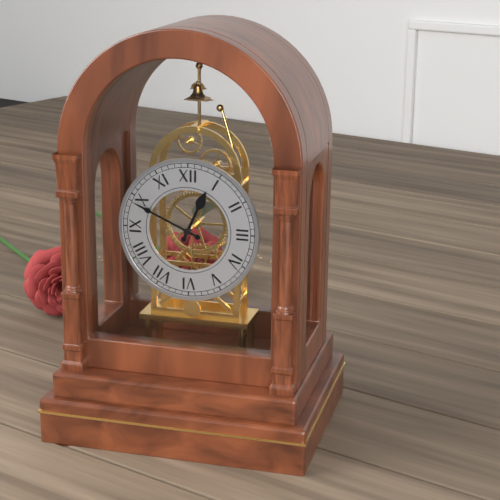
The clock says 12.49
